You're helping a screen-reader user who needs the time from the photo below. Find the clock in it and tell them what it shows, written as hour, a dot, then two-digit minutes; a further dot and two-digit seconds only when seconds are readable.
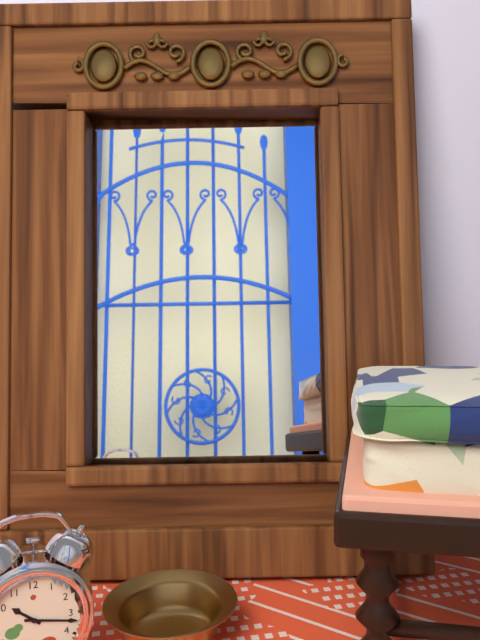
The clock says 10.17
